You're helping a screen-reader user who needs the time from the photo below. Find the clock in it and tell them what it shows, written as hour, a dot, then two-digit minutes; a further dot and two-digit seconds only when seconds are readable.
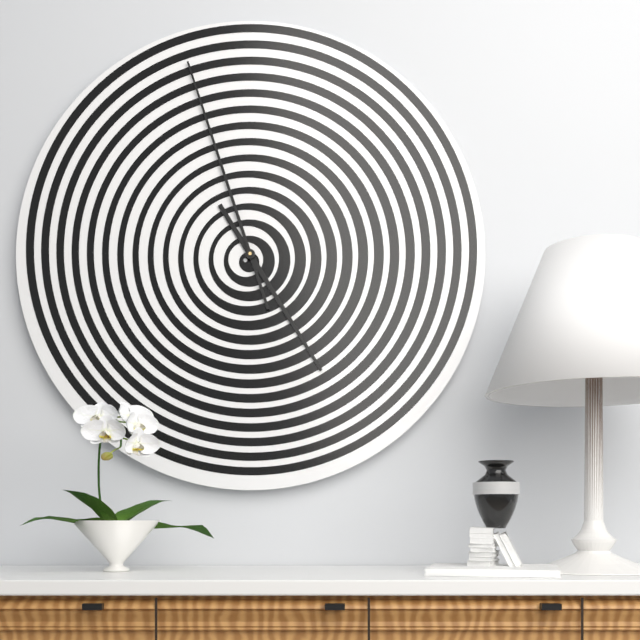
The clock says 4.57
